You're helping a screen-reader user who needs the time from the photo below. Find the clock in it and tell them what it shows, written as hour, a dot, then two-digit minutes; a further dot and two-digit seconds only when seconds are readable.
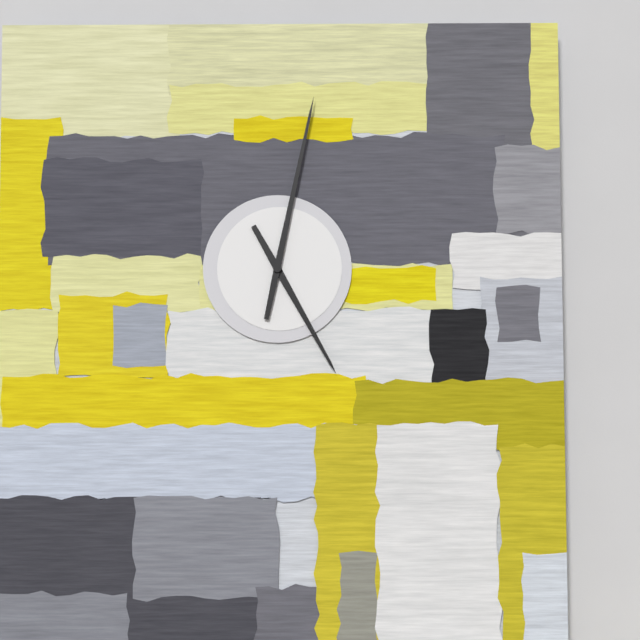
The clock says 5.02
